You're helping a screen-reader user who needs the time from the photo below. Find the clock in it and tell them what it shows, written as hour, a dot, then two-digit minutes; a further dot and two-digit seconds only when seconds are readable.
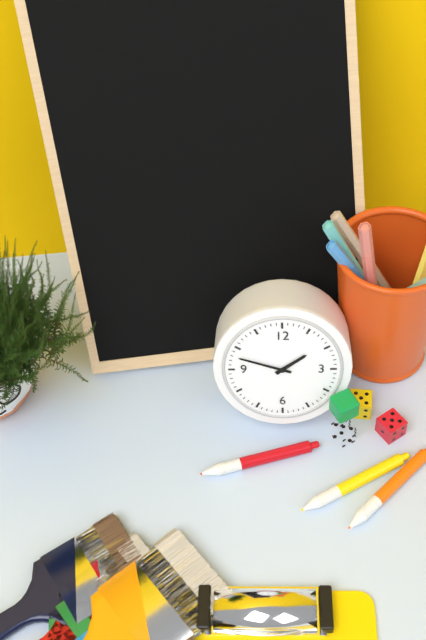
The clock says 1.48
